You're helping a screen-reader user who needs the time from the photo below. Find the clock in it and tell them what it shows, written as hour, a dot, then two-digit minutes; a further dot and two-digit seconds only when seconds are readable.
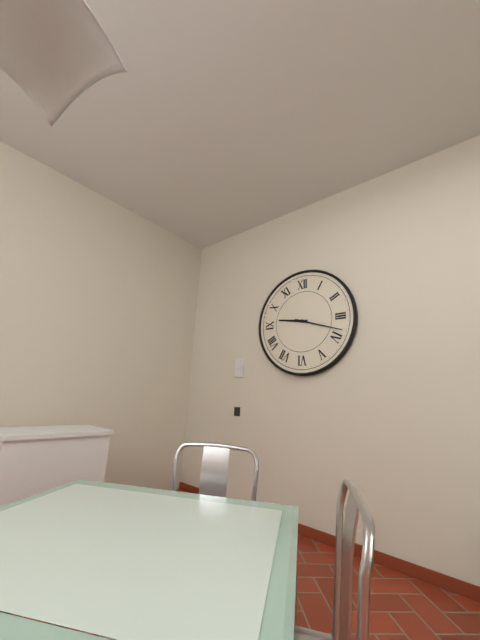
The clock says 9.18
